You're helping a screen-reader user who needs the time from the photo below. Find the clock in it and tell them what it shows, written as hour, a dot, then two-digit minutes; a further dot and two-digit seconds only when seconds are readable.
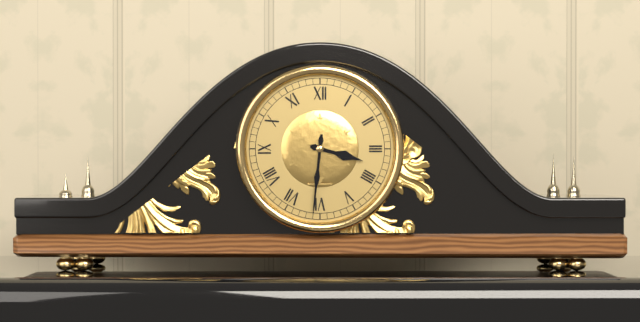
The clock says 3.31
